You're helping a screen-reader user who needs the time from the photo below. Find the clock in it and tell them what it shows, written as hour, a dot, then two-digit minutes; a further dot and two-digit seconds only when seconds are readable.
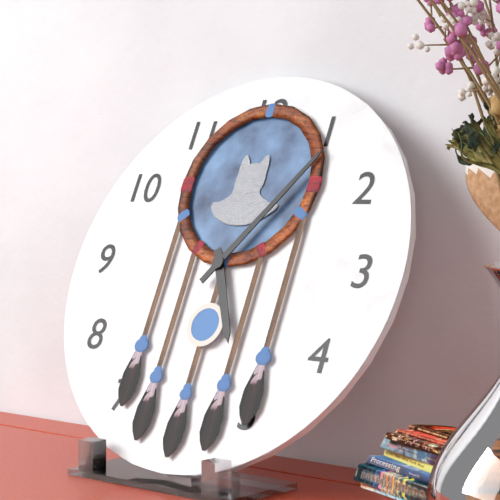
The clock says 5.06
